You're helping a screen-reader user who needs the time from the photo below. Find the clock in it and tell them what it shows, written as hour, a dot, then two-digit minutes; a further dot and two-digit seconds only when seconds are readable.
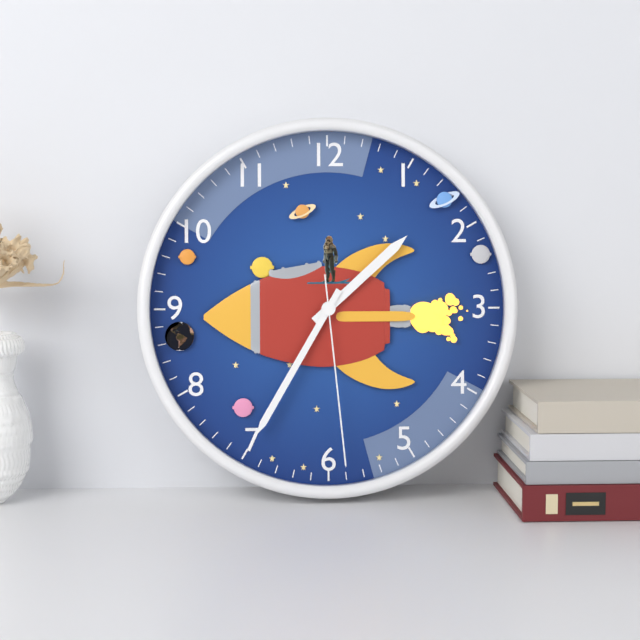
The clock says 1.35.29
